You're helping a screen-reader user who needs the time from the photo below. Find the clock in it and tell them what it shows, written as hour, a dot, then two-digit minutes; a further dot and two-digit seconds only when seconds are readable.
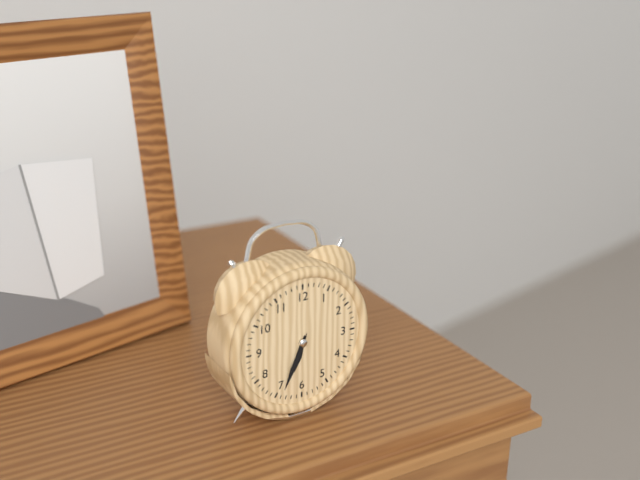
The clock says 6.34
